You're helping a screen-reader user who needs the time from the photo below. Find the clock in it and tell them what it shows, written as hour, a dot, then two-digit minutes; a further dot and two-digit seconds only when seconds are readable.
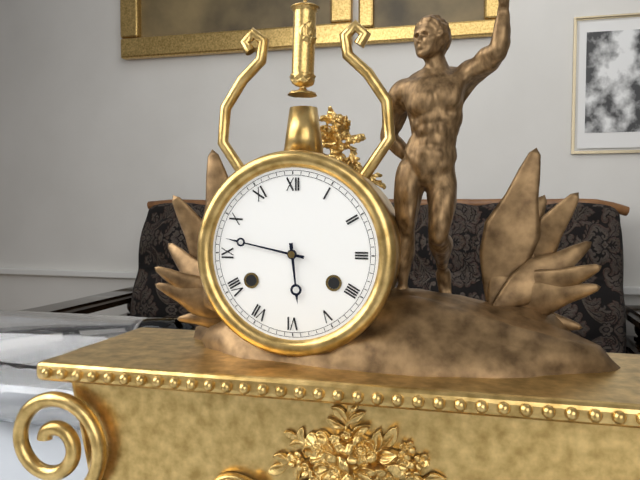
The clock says 5.47
